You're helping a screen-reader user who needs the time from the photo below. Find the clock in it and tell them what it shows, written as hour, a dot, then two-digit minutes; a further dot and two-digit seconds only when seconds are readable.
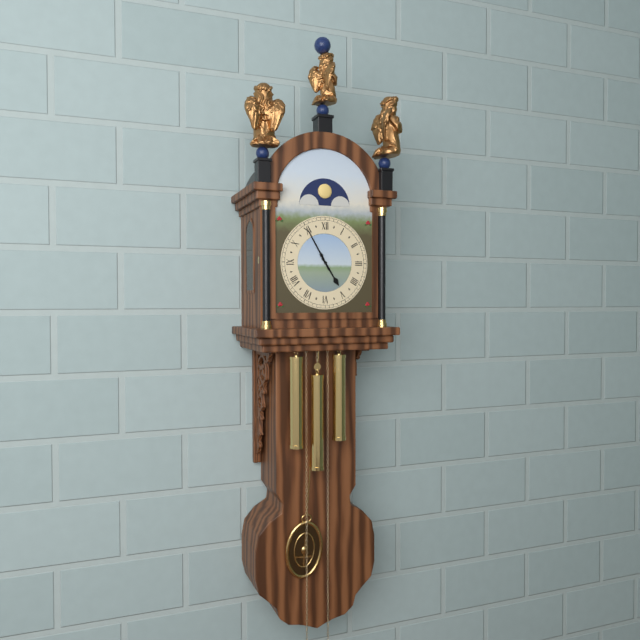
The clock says 4.55
